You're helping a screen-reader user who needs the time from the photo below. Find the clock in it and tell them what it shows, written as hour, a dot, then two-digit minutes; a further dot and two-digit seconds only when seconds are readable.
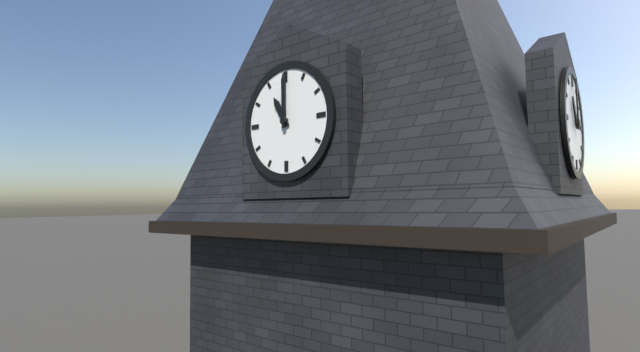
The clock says 11.00
